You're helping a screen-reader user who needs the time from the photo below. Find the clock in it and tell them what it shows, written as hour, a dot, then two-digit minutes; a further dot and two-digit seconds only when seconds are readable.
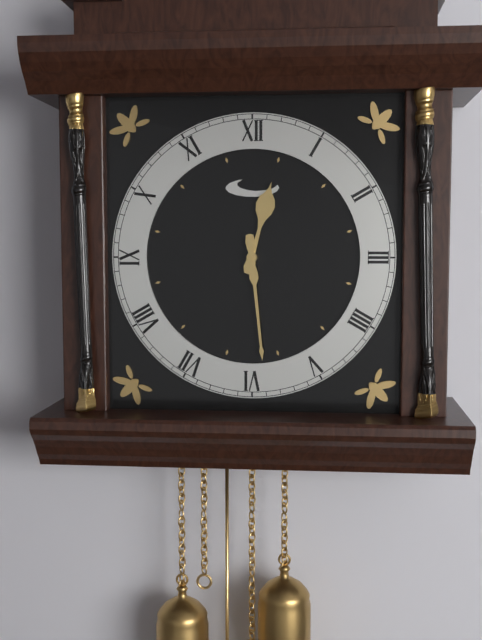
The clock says 12.29
